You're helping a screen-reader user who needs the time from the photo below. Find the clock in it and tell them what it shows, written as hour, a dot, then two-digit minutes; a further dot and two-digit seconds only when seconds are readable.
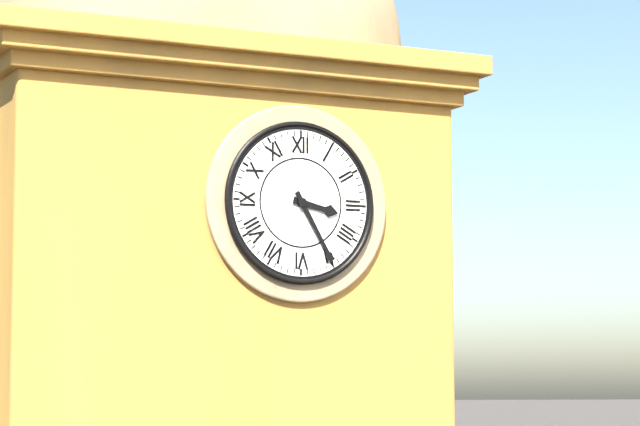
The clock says 3.25
